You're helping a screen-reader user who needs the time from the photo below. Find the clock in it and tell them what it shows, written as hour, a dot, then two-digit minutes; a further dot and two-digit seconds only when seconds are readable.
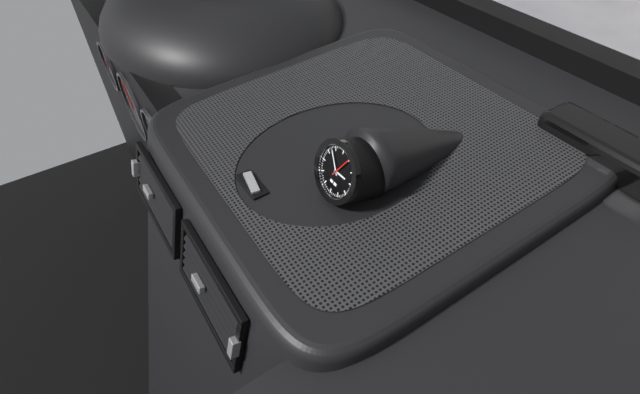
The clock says 2.53
